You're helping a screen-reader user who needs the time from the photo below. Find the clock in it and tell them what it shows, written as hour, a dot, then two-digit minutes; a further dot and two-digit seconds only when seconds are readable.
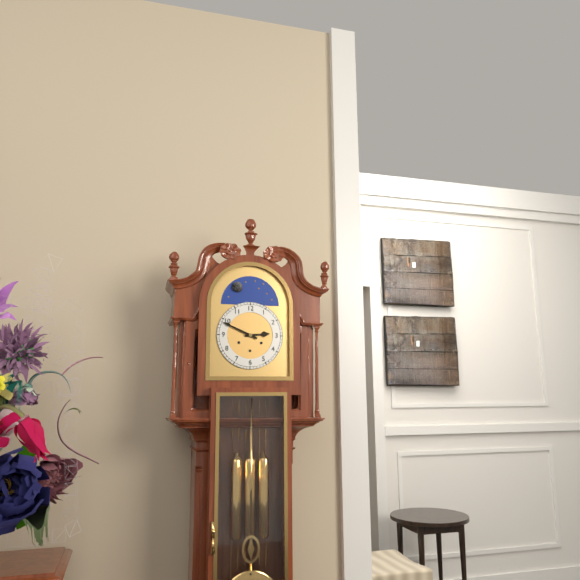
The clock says 2.49
